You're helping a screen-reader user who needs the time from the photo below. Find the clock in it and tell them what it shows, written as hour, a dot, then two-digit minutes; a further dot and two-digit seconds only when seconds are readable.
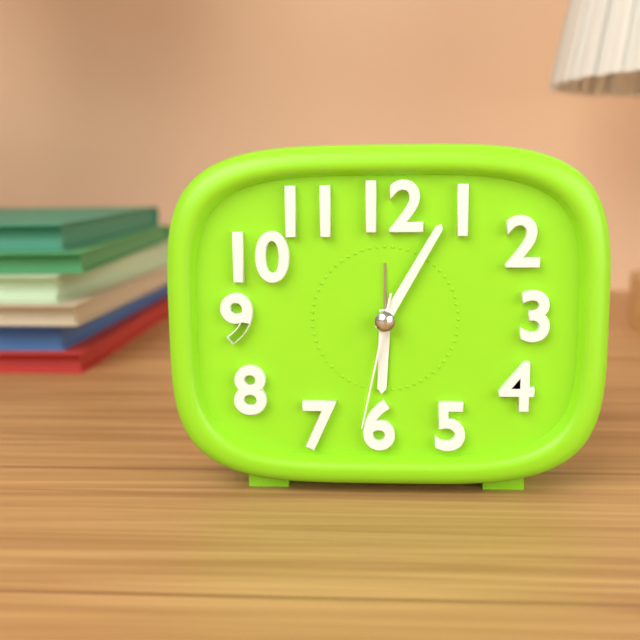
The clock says 6.05.32
